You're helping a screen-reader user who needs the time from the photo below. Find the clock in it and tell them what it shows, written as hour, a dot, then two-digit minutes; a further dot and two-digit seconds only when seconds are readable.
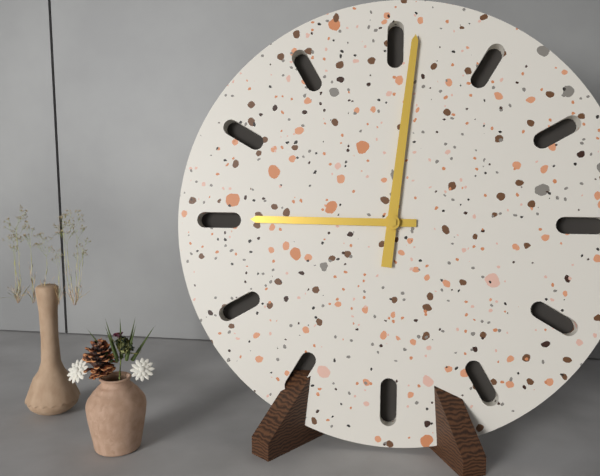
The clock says 9.01
